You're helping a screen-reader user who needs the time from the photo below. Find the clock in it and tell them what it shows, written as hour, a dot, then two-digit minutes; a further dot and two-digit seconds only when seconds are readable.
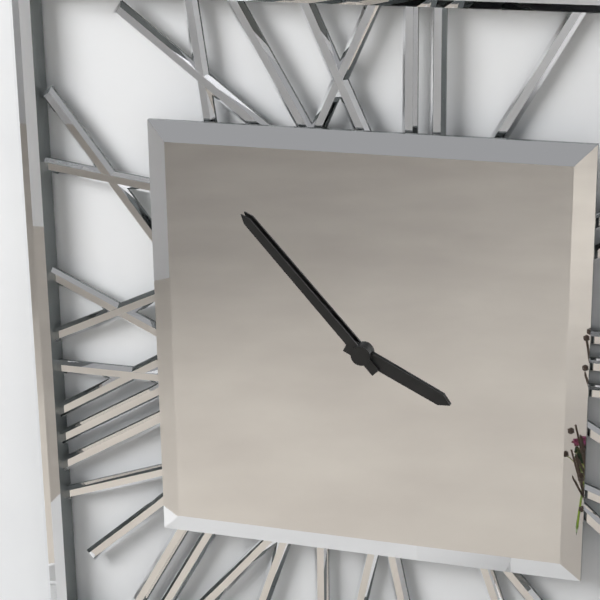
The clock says 3.53
